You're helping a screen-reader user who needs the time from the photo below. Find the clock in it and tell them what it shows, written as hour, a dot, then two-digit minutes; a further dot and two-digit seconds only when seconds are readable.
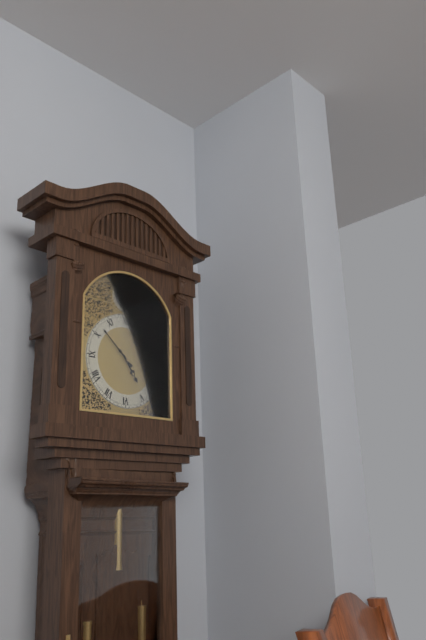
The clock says 4.52
